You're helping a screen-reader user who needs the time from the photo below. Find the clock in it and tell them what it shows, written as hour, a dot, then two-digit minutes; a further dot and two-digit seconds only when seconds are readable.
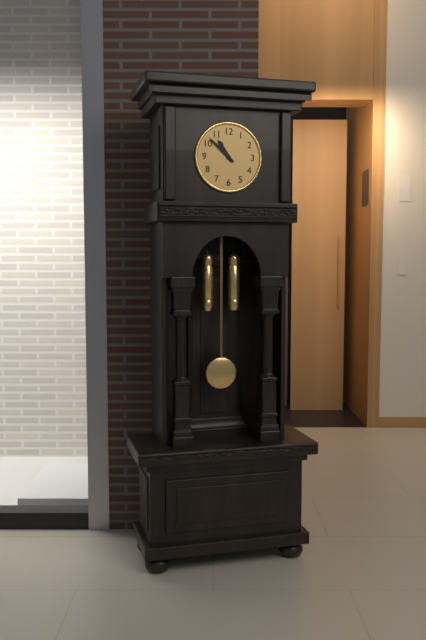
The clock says 10.52
